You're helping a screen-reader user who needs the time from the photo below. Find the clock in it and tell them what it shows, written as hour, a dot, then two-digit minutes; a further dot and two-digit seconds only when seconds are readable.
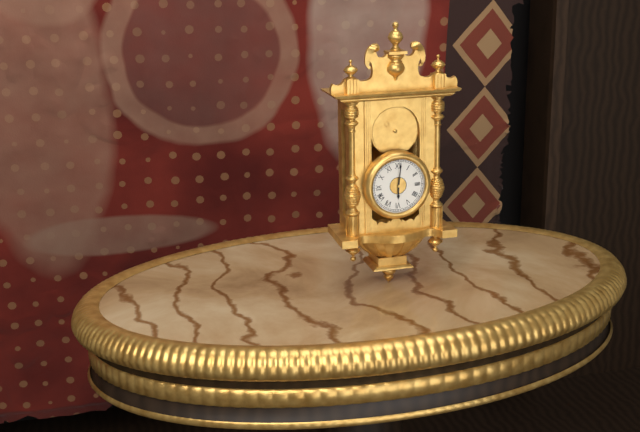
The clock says 6.01
